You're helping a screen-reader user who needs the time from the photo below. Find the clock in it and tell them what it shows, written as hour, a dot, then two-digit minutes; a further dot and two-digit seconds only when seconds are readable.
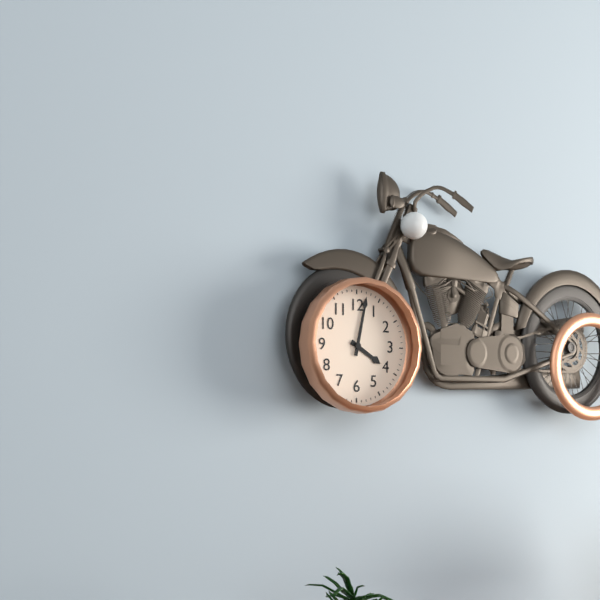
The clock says 4.02
